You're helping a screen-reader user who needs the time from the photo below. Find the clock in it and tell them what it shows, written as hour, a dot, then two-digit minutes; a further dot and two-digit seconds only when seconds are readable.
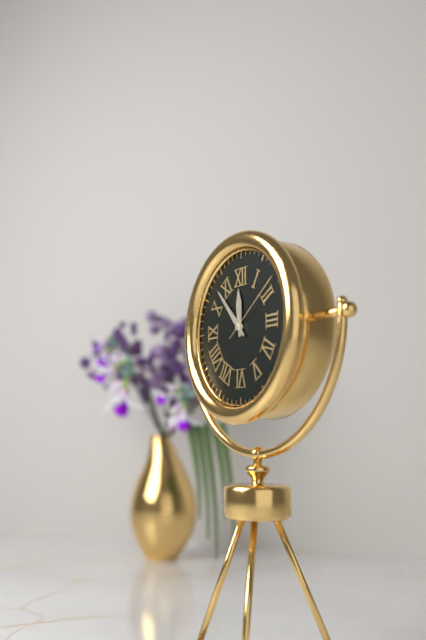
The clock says 11.53.09
